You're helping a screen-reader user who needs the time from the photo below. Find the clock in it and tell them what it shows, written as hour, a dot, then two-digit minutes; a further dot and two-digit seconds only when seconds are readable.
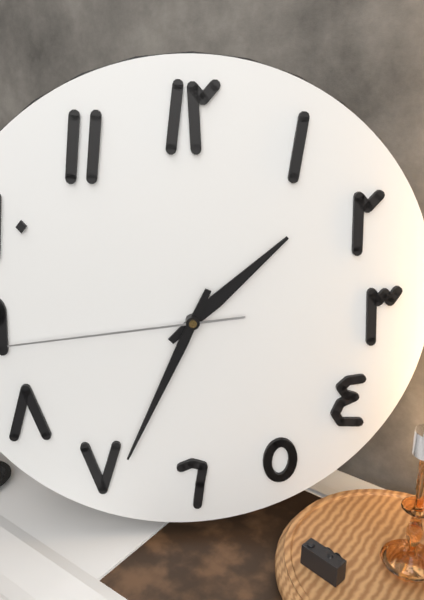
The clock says 1.34.44
